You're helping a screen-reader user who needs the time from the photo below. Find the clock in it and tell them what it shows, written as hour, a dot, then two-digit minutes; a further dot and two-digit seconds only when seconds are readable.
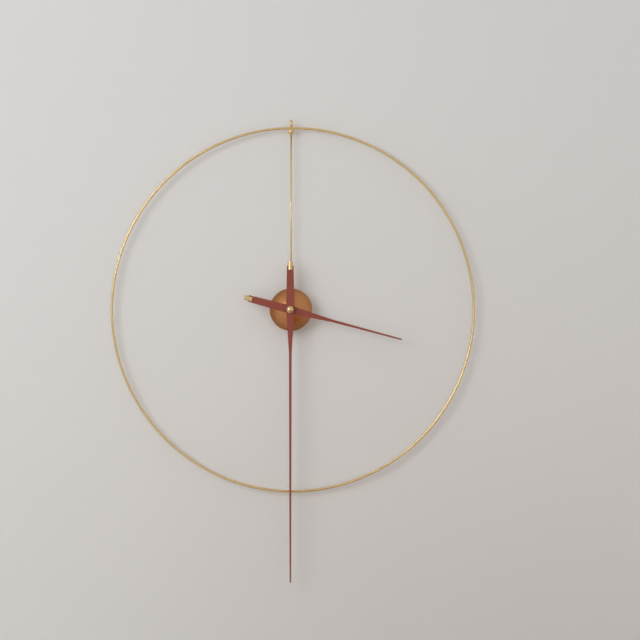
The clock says 3.30
